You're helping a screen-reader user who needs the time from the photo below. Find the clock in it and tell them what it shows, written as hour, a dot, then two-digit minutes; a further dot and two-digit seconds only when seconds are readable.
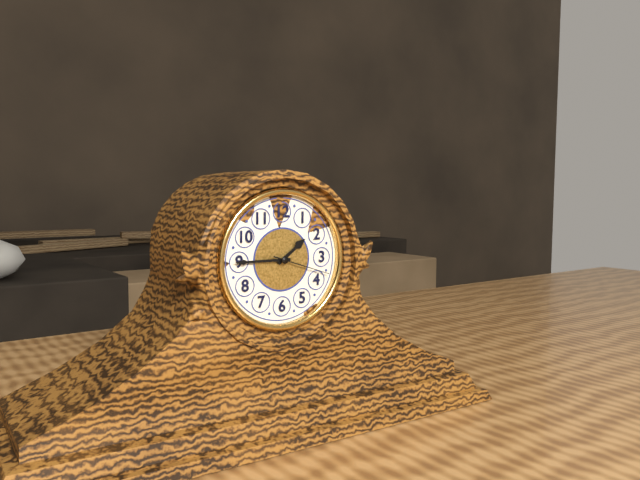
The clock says 1.45.18
